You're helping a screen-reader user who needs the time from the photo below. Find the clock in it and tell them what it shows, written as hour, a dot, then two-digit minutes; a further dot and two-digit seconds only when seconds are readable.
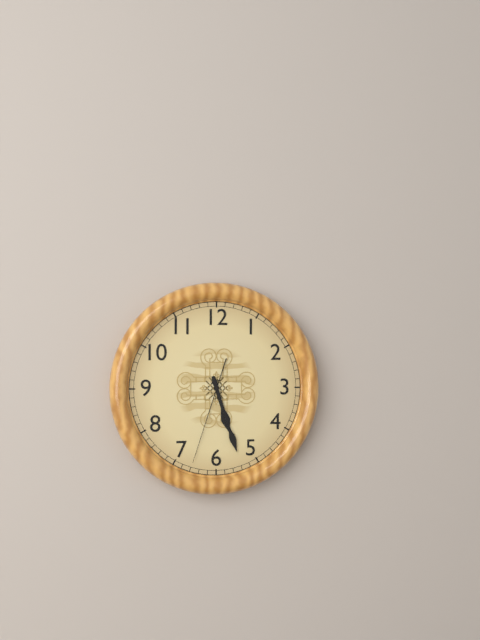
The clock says 5.27.33
